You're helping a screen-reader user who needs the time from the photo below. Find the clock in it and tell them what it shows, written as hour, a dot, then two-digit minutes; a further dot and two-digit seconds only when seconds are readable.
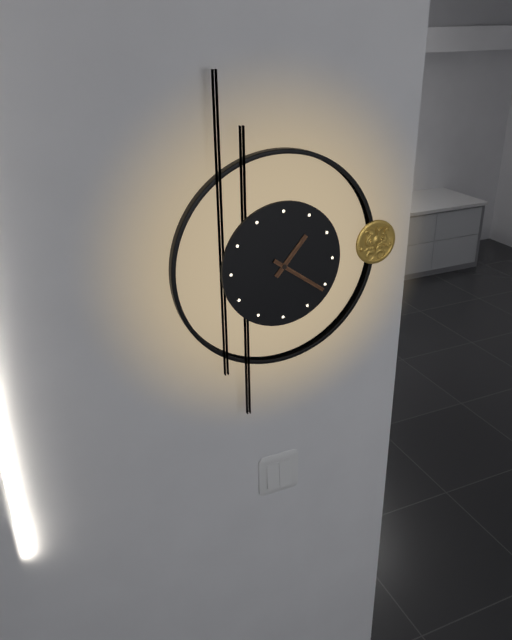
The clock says 1.21
